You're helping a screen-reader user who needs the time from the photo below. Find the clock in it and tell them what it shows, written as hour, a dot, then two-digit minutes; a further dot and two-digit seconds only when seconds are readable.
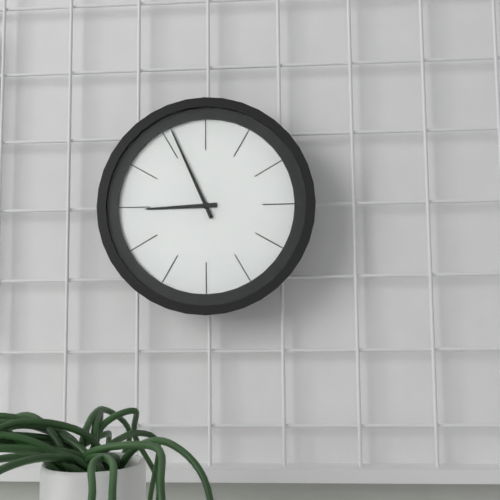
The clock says 8.56
